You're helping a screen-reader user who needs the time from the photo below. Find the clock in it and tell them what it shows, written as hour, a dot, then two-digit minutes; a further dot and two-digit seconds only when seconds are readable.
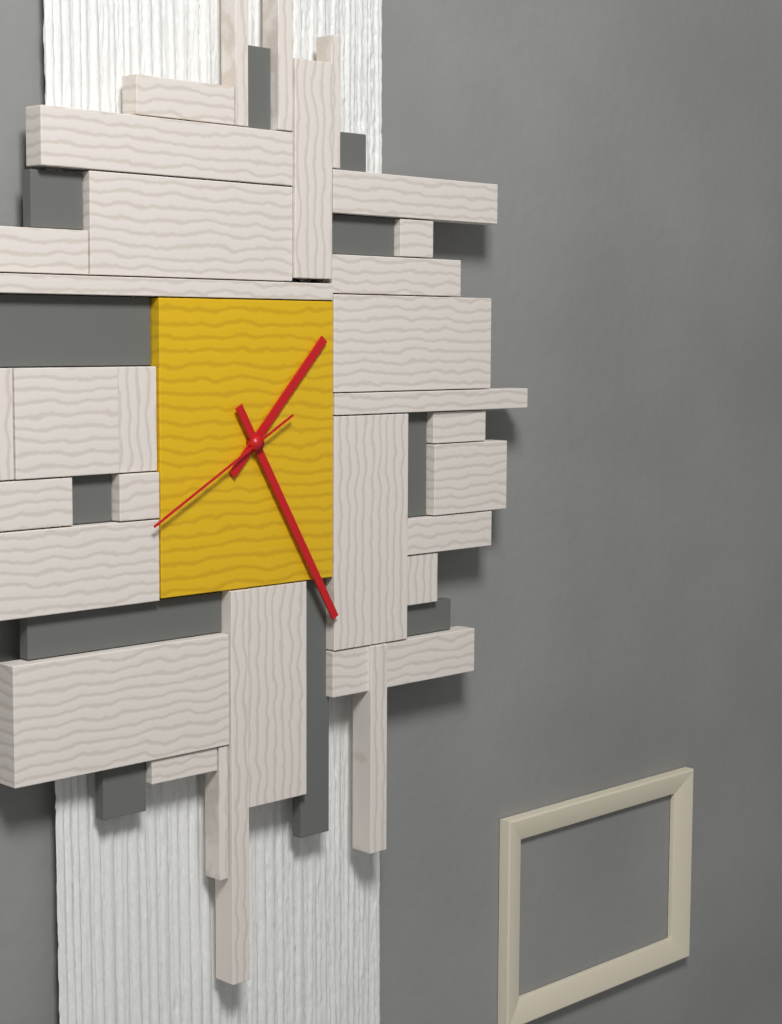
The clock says 1.25.40
